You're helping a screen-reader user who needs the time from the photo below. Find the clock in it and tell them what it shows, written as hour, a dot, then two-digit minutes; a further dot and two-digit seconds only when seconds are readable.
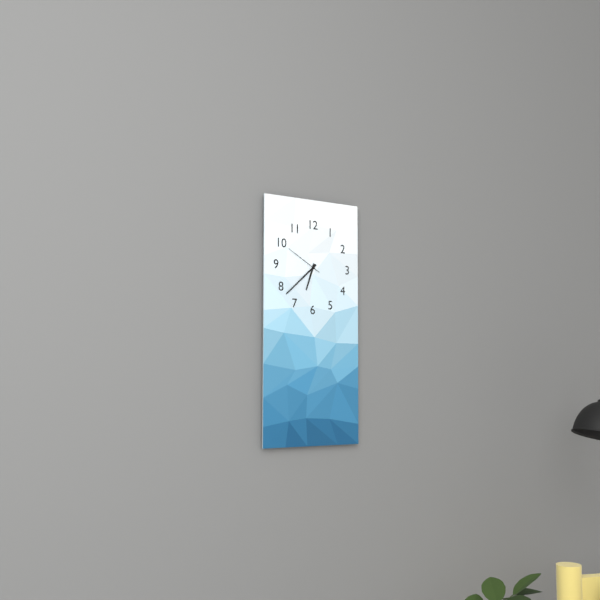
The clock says 6.38
